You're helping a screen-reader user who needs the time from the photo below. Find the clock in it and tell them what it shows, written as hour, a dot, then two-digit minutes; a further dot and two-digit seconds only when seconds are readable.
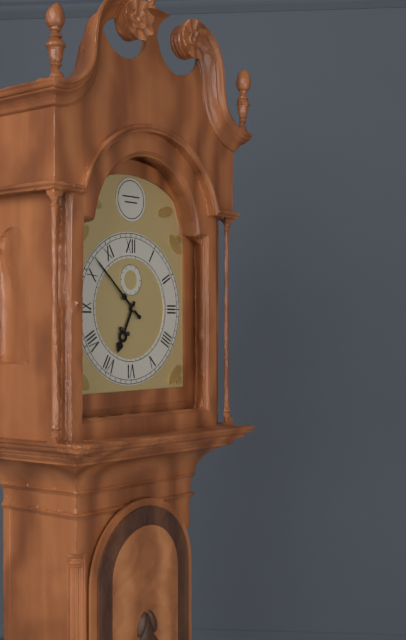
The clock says 6.52
